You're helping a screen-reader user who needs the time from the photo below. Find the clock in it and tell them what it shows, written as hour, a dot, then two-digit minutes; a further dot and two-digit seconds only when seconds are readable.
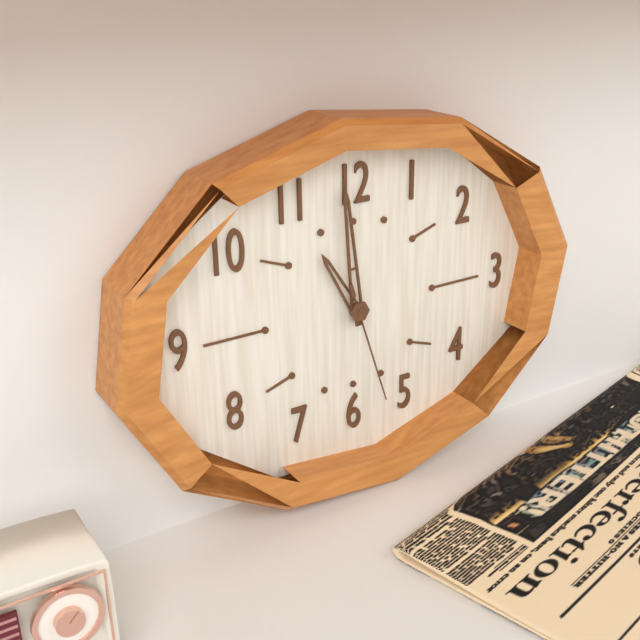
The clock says 10.59.27
